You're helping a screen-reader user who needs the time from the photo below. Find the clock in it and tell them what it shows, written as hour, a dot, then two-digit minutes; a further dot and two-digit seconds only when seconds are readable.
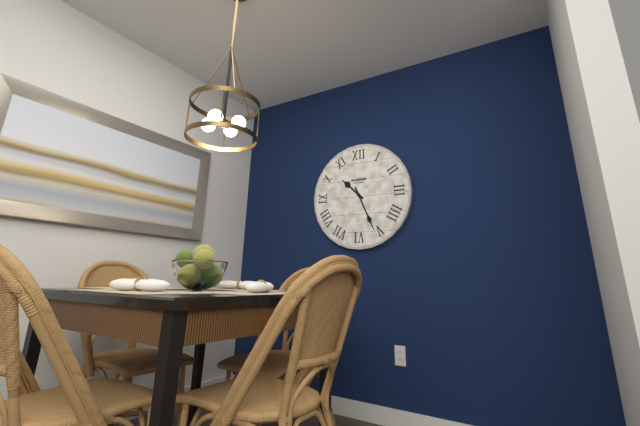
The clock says 10.26
